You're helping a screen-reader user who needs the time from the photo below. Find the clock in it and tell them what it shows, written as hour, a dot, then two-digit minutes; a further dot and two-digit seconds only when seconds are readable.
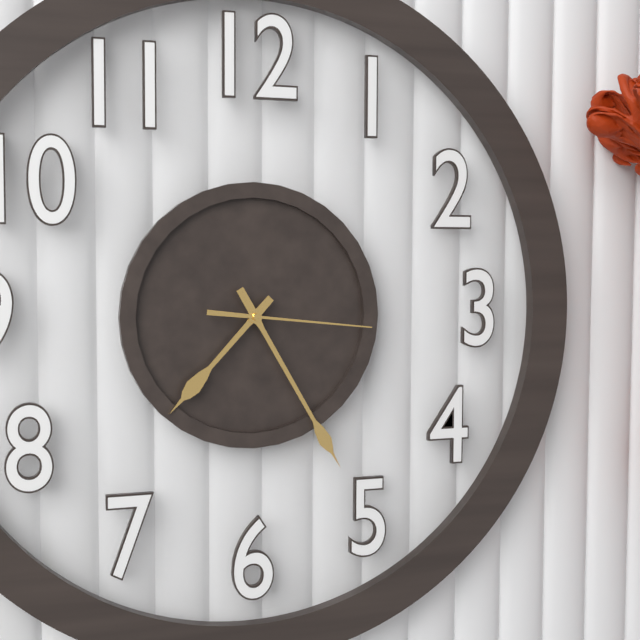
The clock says 7.25.16
